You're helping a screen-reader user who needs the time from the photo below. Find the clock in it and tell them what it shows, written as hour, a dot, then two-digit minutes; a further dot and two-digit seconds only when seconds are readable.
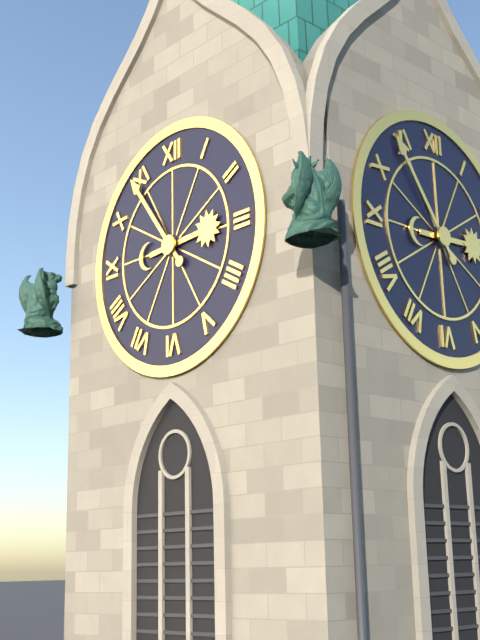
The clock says 2.54
